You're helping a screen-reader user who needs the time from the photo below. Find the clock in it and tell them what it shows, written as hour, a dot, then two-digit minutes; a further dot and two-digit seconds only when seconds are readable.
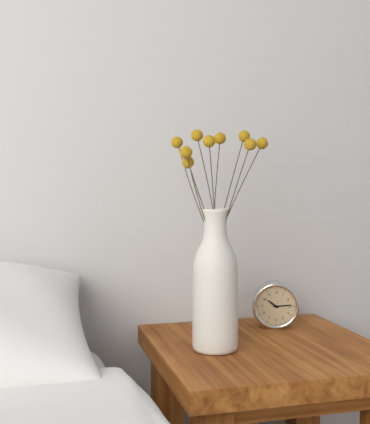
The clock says 10.14
